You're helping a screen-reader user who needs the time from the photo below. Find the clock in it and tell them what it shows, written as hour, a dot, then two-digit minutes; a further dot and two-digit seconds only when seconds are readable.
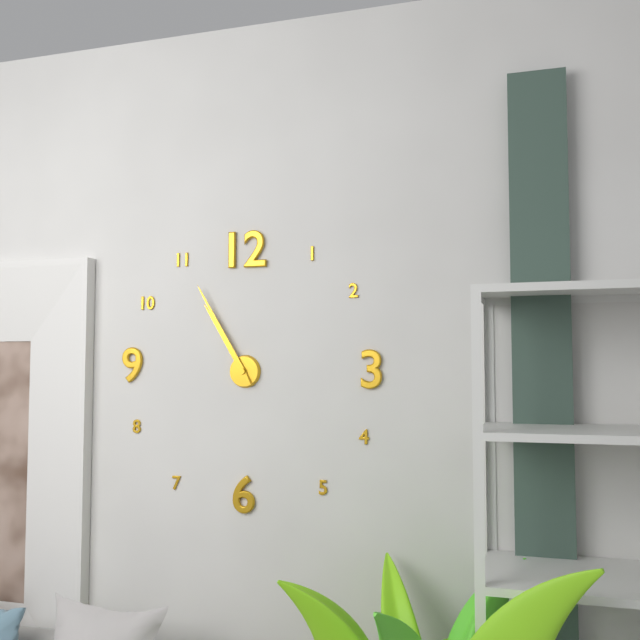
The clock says 10.55
